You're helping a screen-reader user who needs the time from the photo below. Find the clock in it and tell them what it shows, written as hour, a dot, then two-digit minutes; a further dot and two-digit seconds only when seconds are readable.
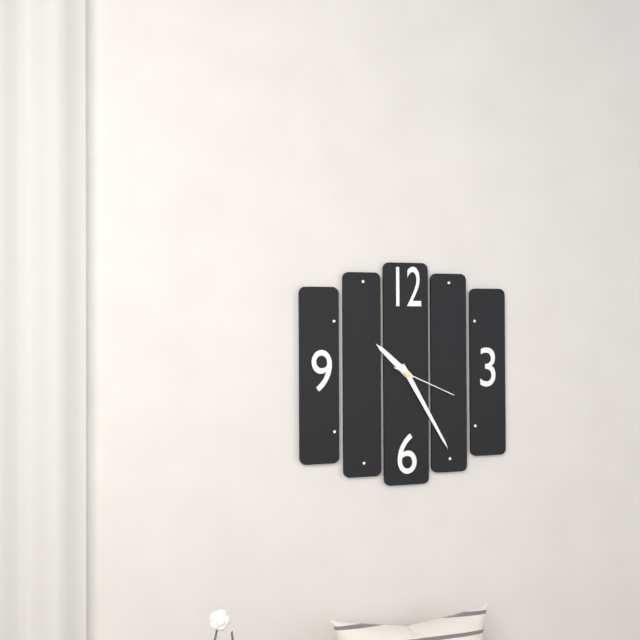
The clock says 10.25.19
